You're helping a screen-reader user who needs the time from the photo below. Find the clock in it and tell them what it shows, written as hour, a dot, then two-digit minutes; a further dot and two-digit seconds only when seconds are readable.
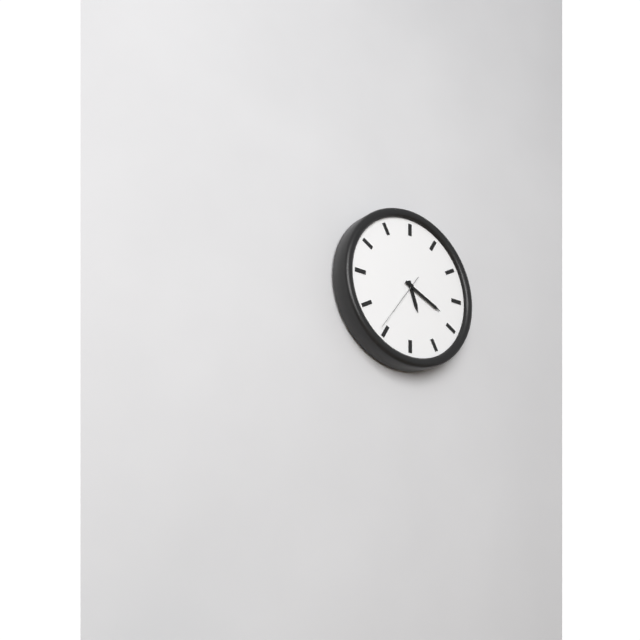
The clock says 5.19
